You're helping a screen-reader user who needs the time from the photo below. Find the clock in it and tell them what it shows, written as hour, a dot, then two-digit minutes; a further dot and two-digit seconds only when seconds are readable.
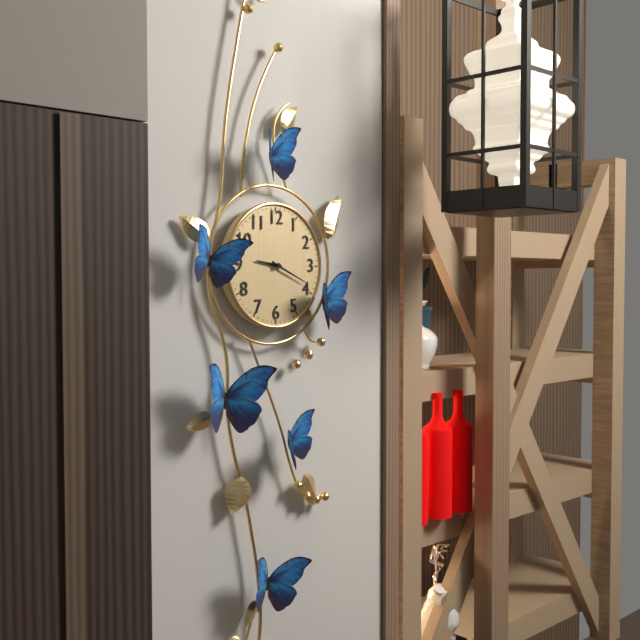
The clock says 9.19
